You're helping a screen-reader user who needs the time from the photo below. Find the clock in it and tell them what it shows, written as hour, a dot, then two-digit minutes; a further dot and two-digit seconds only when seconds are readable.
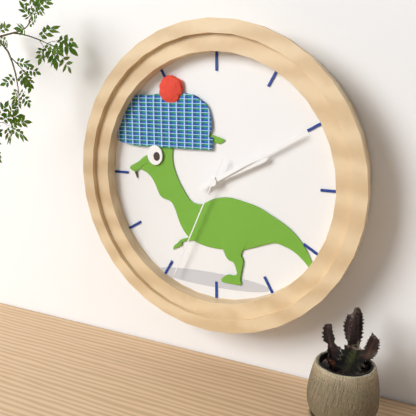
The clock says 2.10.34
